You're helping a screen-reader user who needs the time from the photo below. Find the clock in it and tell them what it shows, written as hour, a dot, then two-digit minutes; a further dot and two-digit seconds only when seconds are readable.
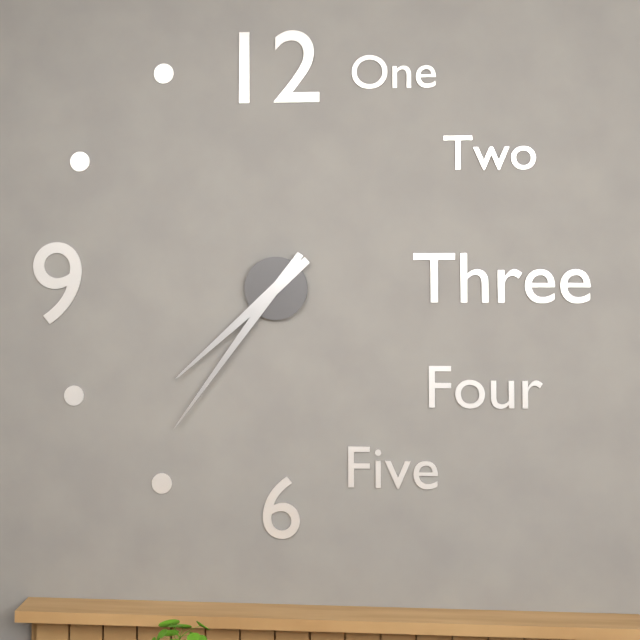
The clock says 7.36
